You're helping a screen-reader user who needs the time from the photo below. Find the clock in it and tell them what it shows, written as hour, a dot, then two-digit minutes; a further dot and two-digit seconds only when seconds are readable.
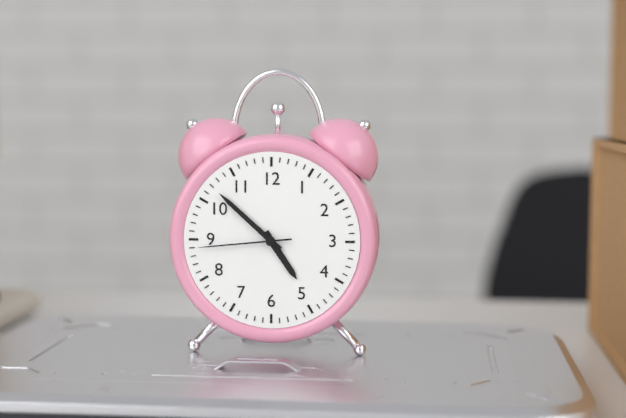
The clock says 4.52.44
